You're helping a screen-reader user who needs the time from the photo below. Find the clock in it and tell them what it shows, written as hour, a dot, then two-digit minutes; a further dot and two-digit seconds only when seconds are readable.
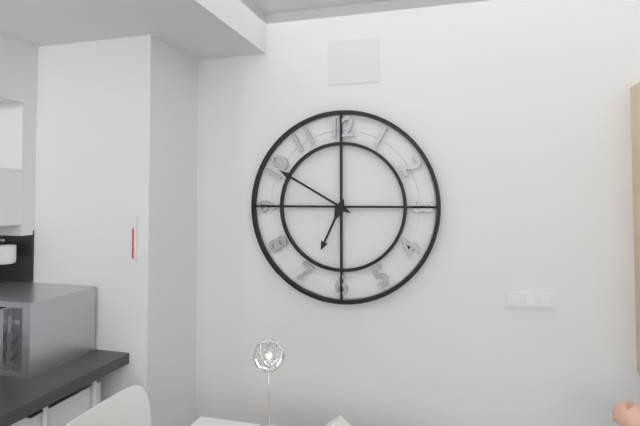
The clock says 6.50
